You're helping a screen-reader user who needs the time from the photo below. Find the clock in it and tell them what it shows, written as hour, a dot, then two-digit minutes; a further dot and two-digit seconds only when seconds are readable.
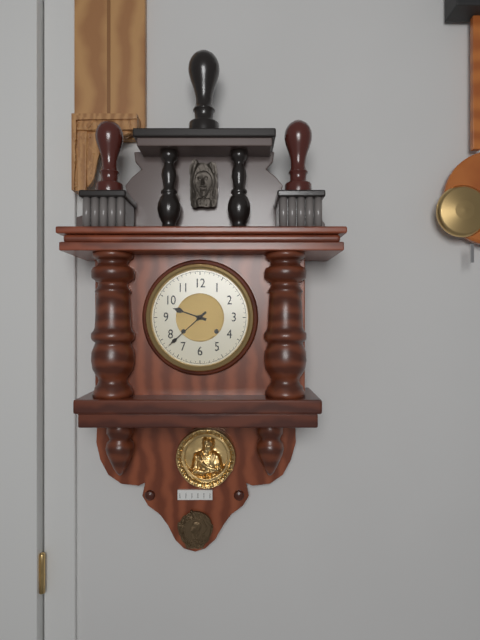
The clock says 9.38
